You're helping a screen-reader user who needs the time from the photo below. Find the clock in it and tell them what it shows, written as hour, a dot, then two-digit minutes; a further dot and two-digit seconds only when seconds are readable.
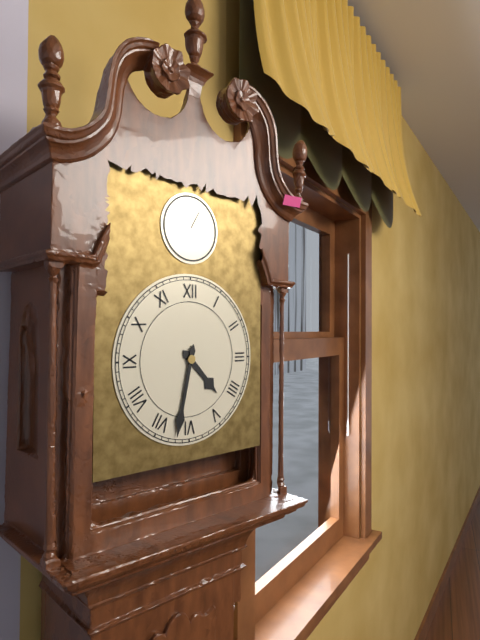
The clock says 4.32
